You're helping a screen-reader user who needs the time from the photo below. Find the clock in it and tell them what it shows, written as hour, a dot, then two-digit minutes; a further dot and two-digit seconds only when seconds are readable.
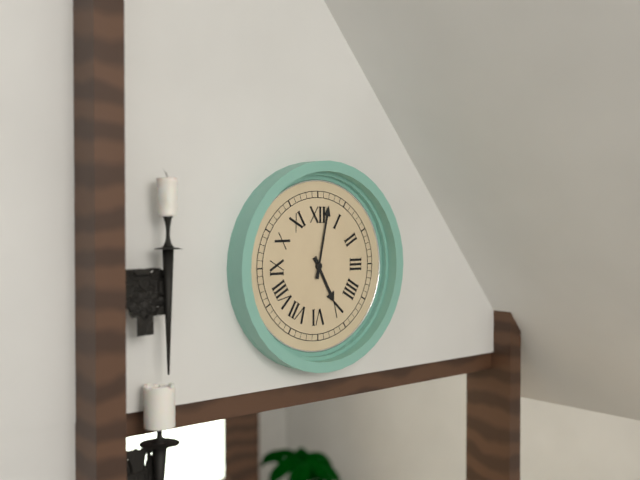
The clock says 5.02
